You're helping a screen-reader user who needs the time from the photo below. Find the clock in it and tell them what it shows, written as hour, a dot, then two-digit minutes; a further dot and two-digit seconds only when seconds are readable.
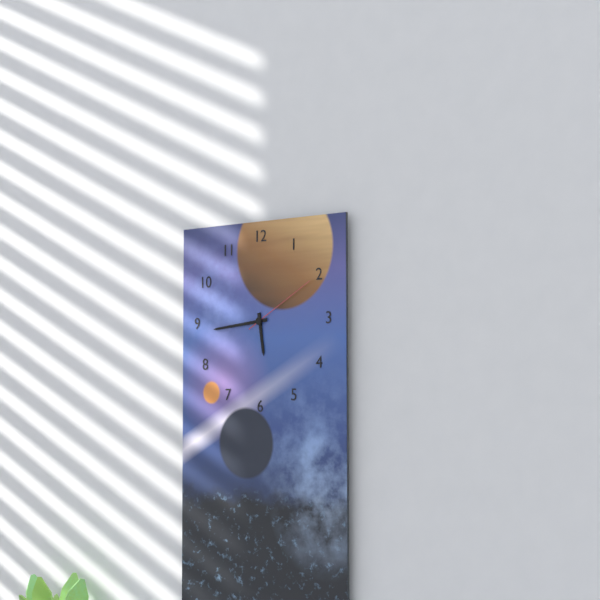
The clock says 5.44.10
